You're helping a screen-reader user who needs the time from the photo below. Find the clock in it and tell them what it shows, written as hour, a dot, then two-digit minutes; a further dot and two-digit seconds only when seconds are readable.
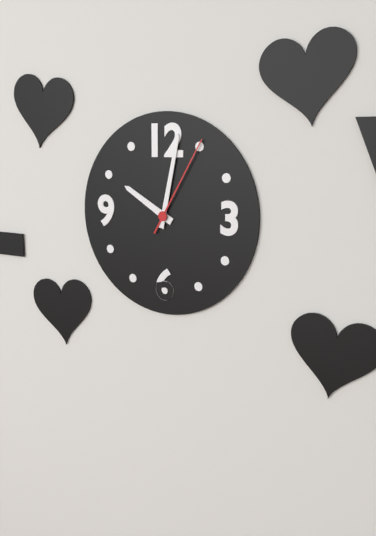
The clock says 10.02.05
